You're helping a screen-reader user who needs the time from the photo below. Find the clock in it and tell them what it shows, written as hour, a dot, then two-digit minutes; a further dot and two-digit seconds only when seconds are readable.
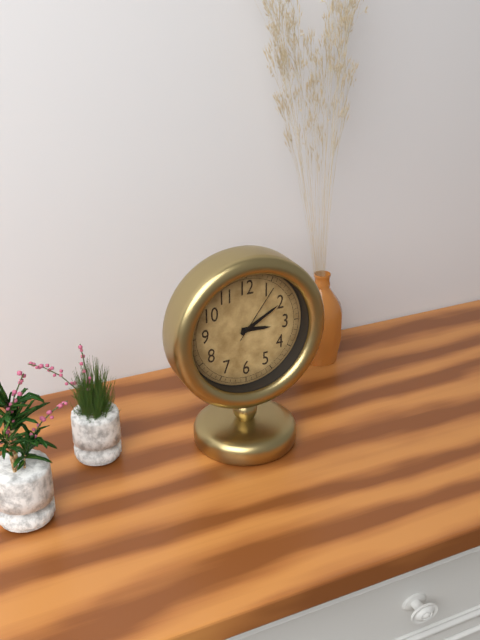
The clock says 3.10.06
